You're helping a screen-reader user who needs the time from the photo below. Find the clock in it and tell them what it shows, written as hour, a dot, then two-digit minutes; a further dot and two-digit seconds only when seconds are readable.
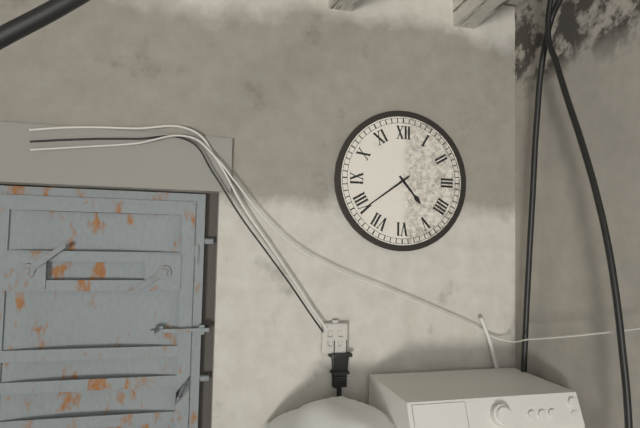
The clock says 4.39
